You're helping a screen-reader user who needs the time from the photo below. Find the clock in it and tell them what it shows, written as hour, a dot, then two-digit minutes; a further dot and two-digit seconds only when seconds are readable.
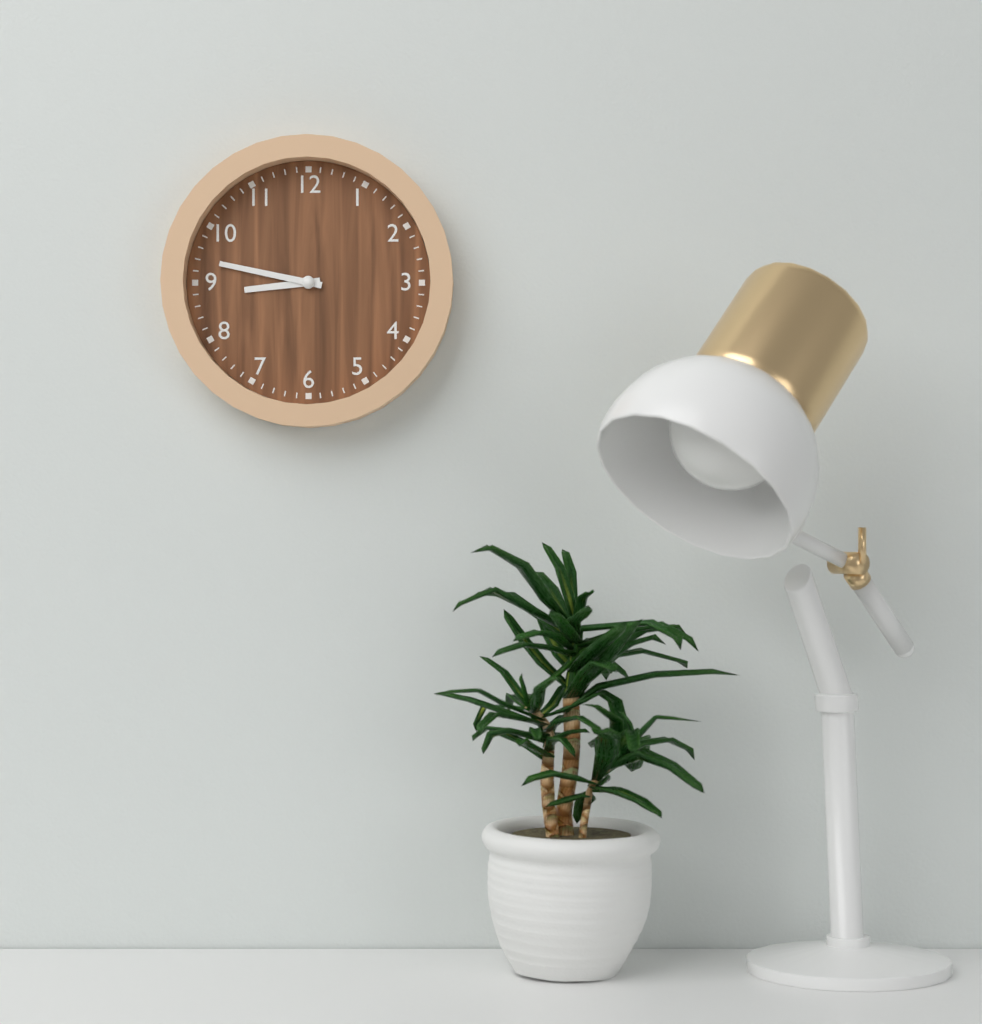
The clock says 8.47
